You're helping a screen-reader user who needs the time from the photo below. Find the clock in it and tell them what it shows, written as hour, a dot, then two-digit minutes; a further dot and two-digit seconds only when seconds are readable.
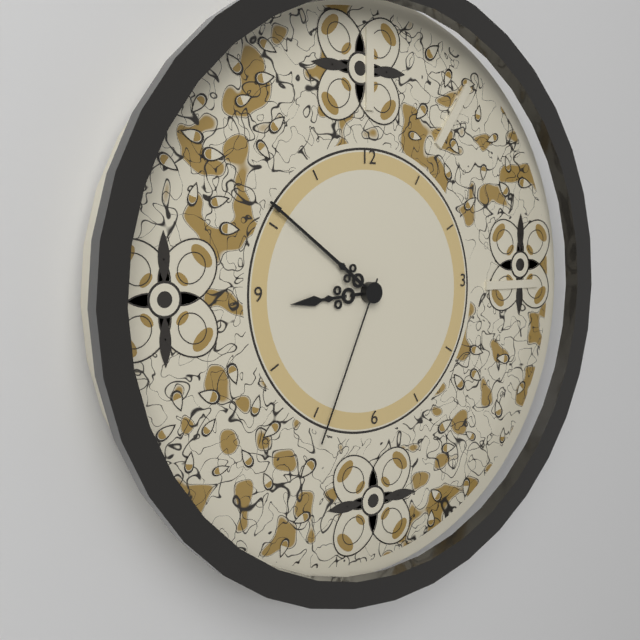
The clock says 8.51.34
